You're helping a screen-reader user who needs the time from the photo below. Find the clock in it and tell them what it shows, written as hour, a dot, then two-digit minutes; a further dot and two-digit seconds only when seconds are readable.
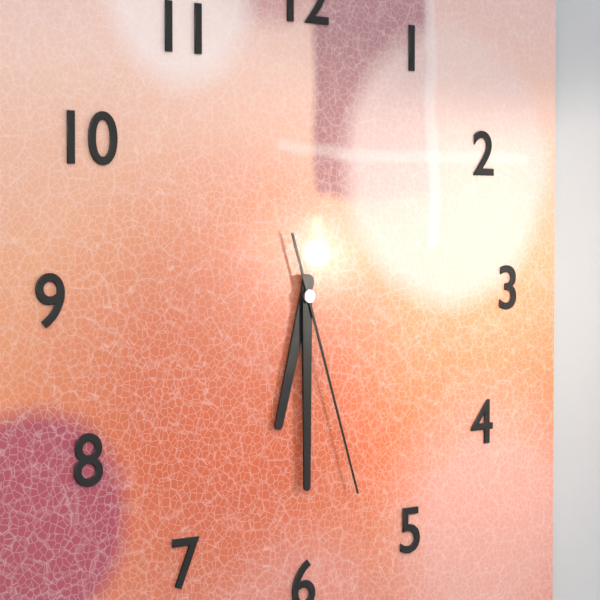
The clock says 6.30.27
